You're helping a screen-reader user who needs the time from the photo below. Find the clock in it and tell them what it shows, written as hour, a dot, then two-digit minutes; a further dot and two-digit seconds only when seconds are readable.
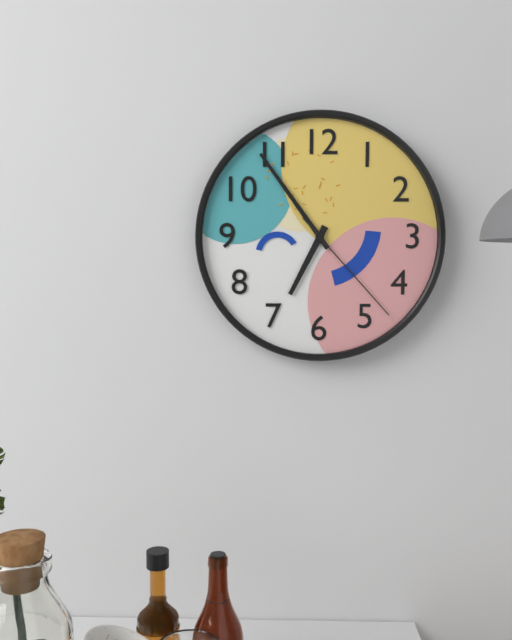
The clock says 6.54.23
